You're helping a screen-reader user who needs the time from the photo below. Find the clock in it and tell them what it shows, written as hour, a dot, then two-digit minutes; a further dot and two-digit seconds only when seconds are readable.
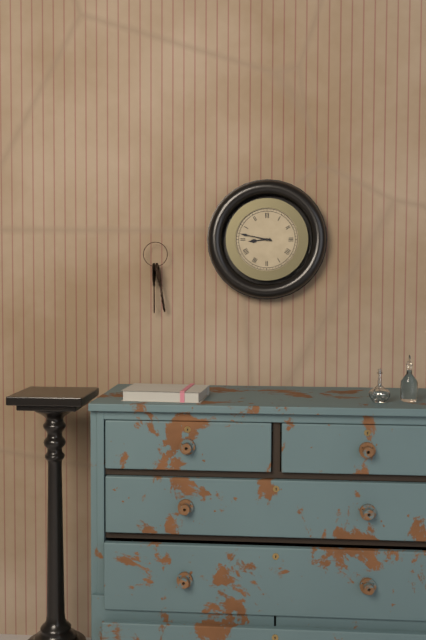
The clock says 8.47
